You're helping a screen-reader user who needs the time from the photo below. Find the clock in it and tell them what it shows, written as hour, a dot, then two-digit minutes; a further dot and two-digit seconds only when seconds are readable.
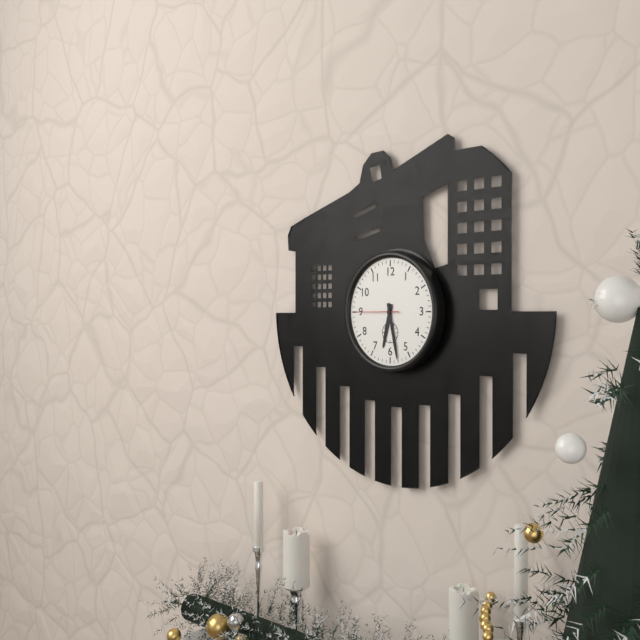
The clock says 6.28
